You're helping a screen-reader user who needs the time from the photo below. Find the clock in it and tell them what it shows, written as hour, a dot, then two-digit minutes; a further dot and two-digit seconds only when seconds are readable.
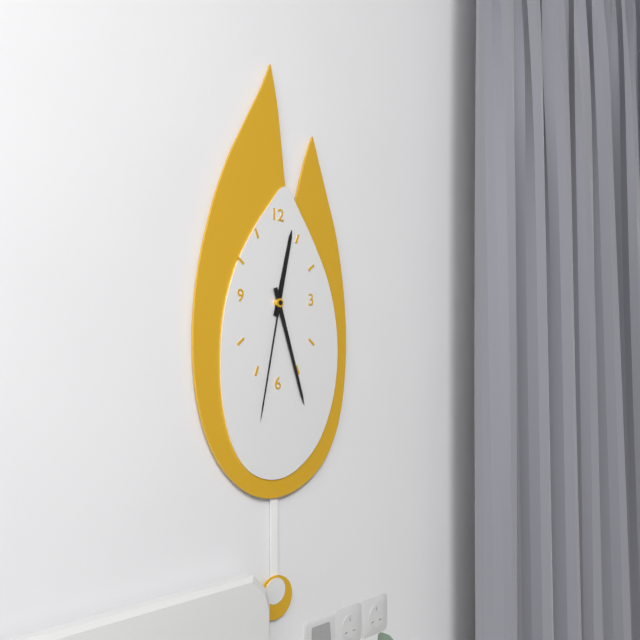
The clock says 12.27.32
